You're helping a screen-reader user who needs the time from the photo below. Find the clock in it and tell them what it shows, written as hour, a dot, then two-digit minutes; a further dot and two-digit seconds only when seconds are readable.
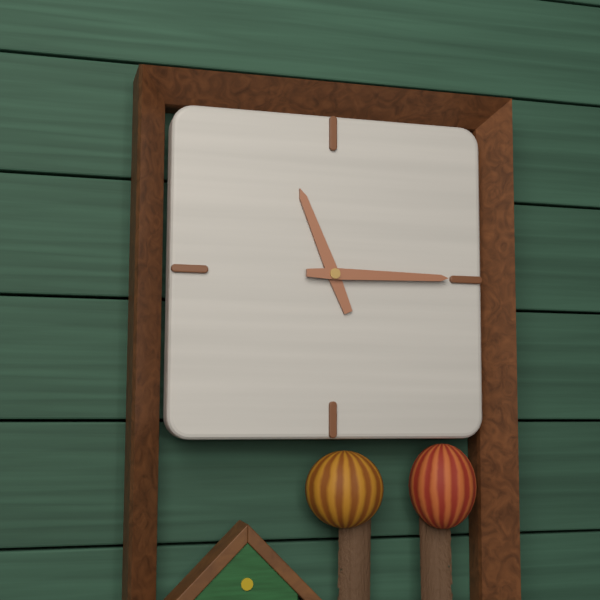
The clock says 11.15
